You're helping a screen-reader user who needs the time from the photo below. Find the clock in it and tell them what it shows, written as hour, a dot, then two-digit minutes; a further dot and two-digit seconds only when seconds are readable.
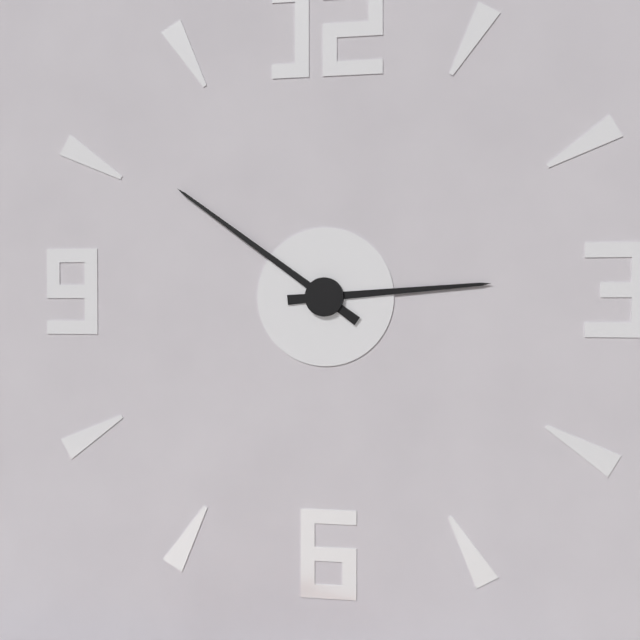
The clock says 2.51
